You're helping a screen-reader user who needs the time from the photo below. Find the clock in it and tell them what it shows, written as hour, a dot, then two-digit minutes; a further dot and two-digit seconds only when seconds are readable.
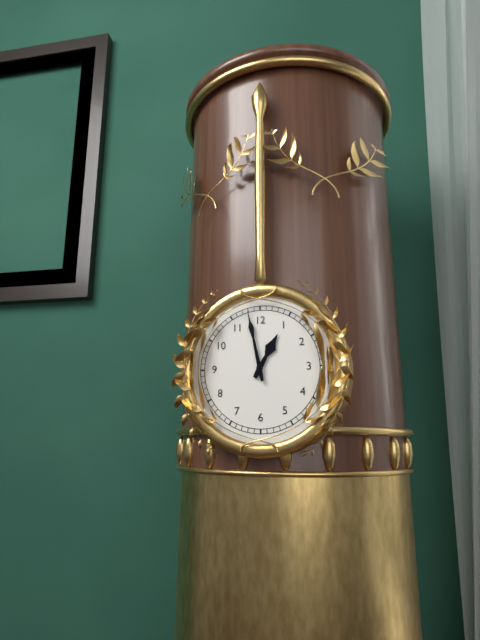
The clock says 12.58
